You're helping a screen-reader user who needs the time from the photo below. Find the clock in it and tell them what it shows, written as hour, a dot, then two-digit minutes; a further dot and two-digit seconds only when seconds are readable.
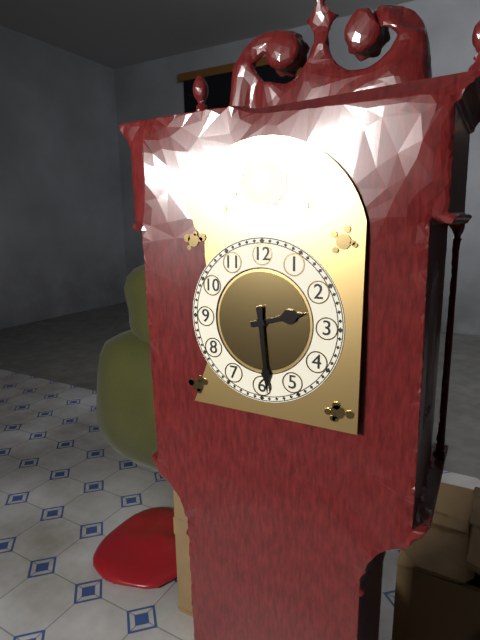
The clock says 2.29
